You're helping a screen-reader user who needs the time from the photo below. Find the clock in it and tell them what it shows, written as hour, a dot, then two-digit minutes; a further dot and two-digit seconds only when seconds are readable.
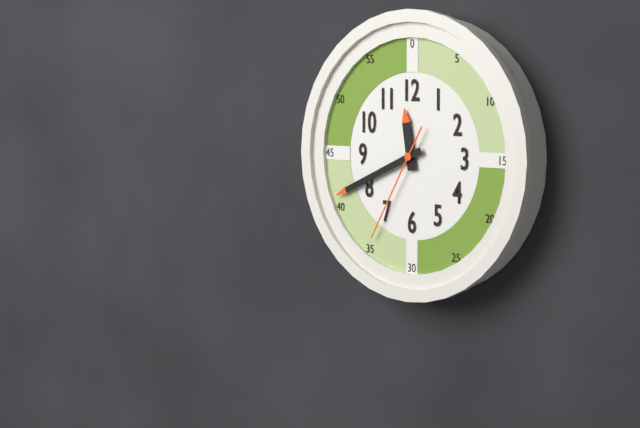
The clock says 11.41.35
